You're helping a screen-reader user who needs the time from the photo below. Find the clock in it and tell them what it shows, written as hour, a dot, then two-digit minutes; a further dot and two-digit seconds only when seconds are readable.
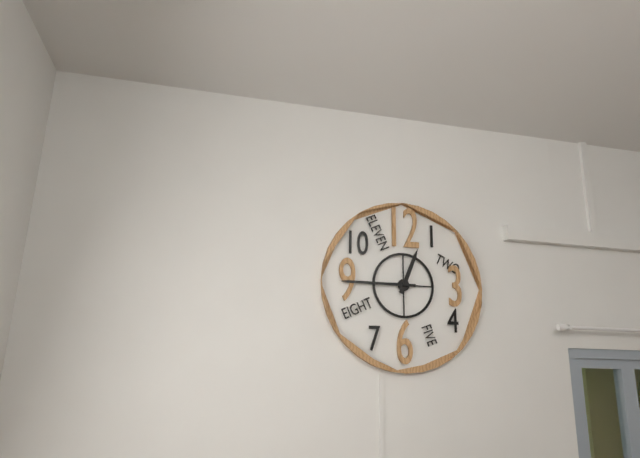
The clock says 12.45
